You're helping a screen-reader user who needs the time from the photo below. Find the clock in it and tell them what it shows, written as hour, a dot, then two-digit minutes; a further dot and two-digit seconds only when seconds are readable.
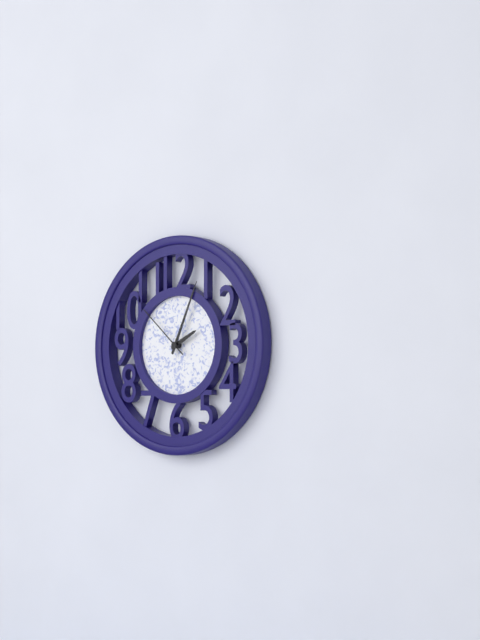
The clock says 2.04.52
